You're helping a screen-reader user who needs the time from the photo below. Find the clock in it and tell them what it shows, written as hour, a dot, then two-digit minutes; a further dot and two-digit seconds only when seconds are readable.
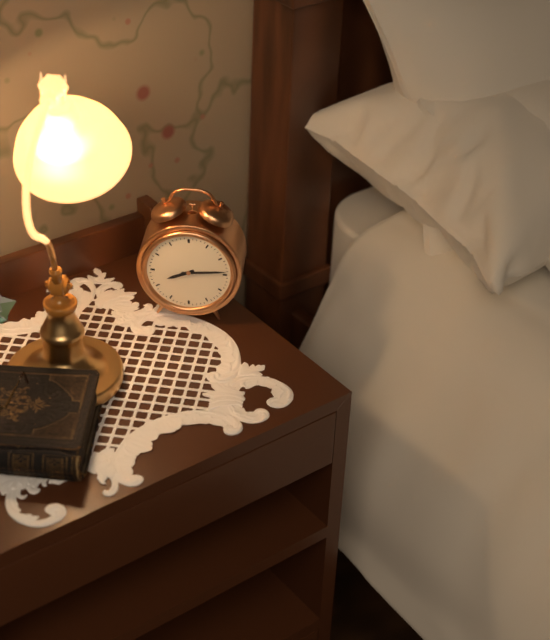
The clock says 8.14
